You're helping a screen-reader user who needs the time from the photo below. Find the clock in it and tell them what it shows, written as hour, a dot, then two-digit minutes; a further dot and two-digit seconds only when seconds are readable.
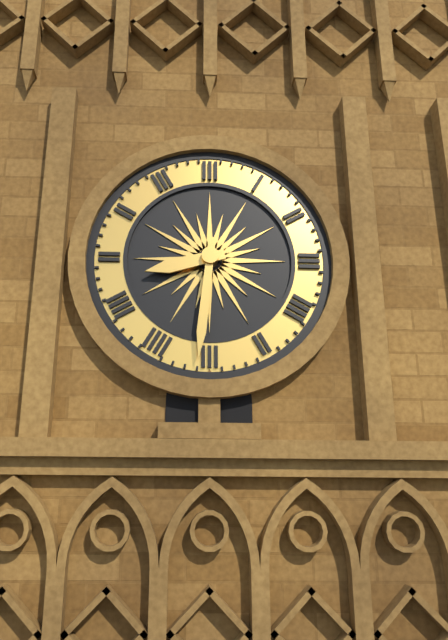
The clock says 8.31
